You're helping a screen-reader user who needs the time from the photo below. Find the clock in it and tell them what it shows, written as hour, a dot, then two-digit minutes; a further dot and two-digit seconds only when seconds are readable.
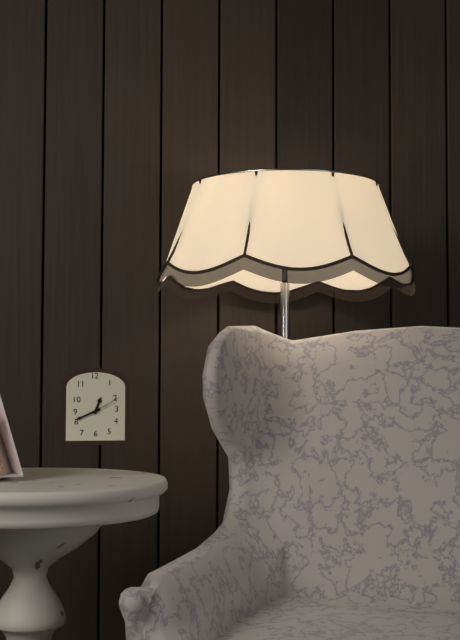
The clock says 12.41
